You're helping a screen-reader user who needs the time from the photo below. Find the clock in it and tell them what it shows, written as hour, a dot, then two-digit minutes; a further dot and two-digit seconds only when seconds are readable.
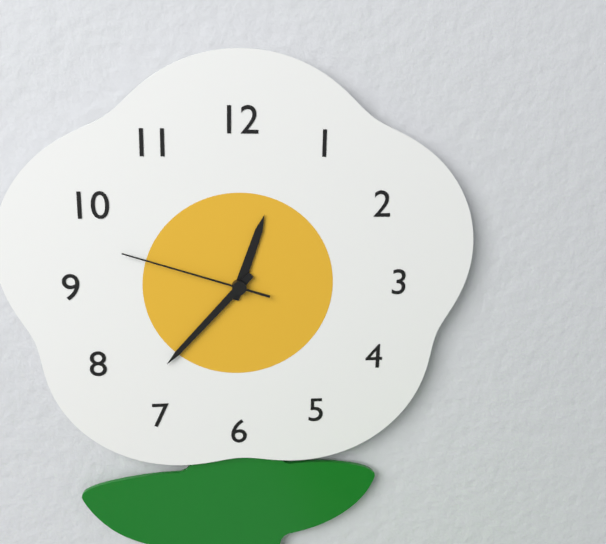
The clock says 12.37.48
